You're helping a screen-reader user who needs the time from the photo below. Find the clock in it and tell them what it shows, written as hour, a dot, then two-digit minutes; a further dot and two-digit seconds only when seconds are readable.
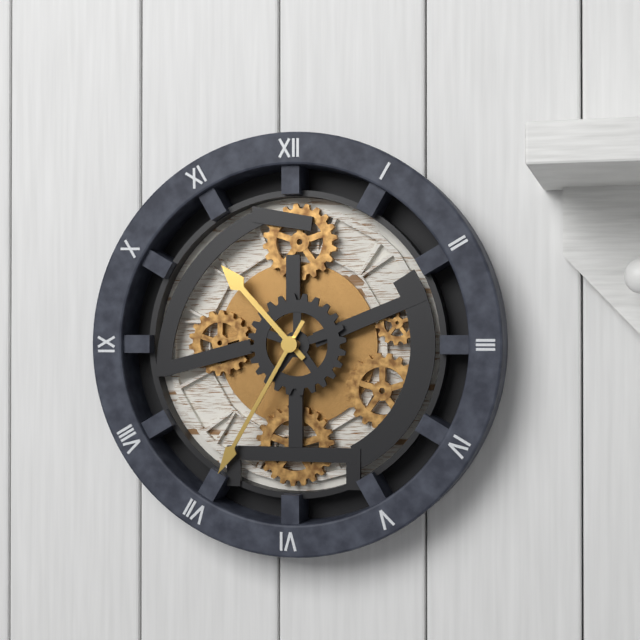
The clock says 10.35
